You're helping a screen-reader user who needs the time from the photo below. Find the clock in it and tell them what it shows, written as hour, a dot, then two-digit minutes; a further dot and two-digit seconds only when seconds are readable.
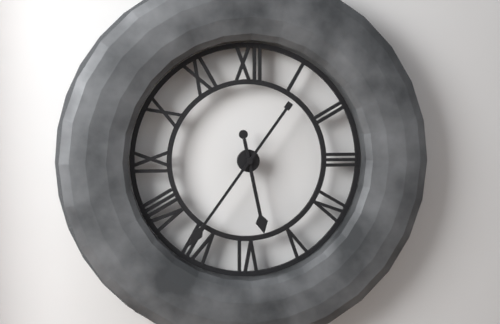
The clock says 5.36
